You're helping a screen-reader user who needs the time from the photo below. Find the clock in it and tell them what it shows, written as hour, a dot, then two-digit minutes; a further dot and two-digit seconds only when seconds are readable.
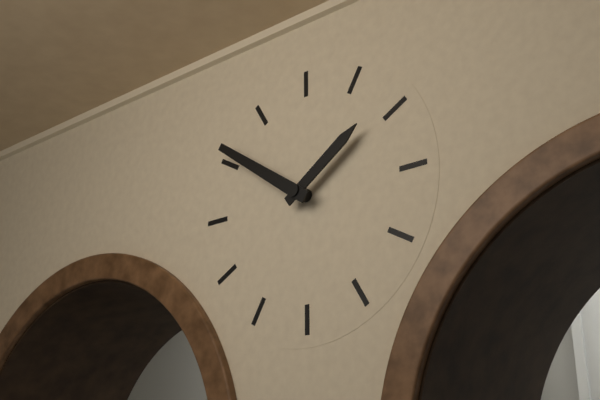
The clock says 1.51
